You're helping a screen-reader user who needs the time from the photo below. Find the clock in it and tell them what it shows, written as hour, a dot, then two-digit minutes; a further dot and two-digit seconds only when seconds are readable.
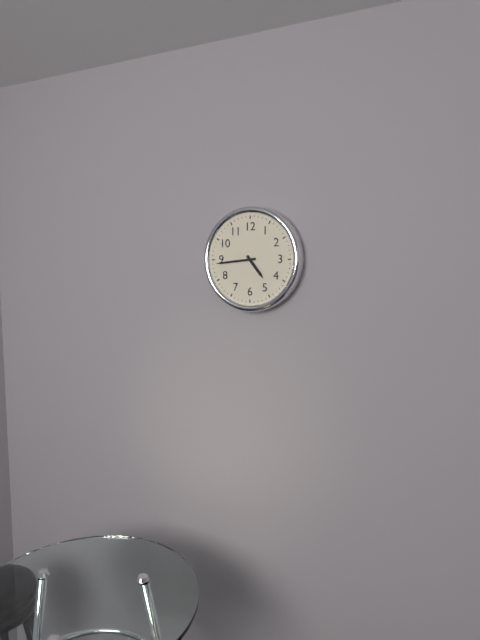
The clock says 4.44
